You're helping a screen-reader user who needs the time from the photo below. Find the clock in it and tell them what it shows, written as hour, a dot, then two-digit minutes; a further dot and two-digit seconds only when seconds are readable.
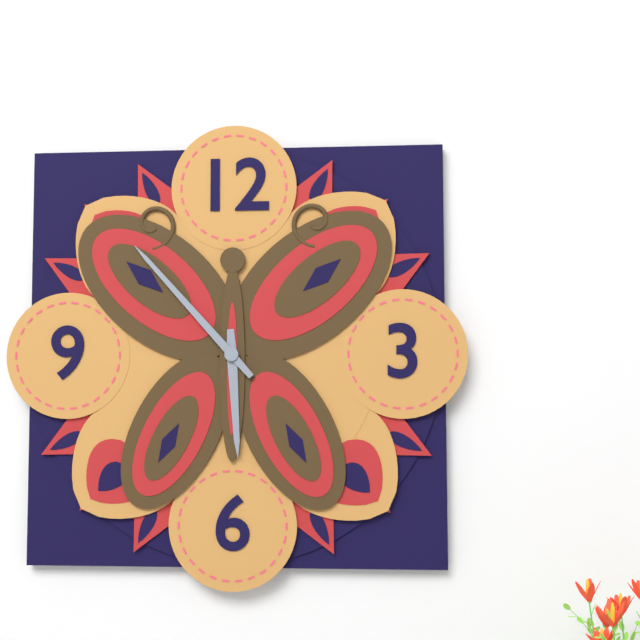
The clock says 5.53
